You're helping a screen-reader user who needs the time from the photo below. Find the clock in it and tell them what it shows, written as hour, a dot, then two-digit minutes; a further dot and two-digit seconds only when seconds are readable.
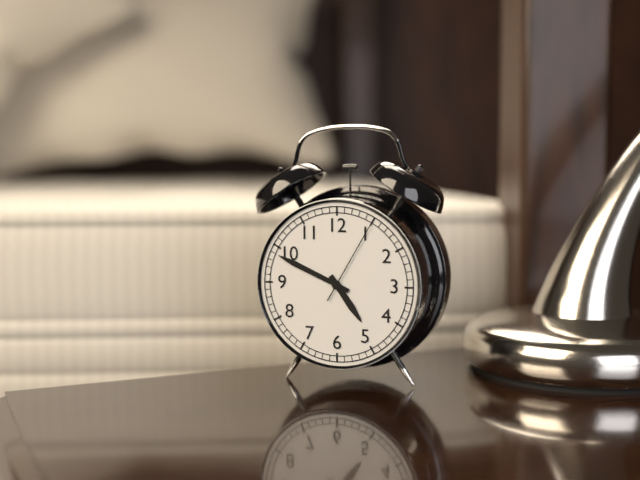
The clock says 4.49.05
